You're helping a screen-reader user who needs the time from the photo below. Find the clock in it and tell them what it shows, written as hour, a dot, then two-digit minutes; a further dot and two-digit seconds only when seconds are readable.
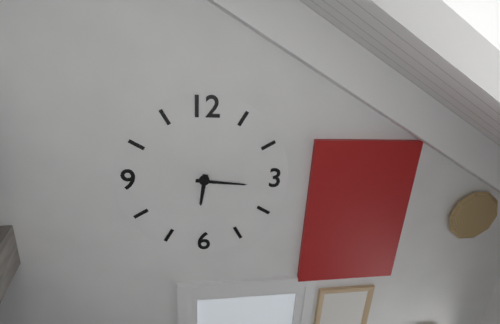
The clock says 6.16
